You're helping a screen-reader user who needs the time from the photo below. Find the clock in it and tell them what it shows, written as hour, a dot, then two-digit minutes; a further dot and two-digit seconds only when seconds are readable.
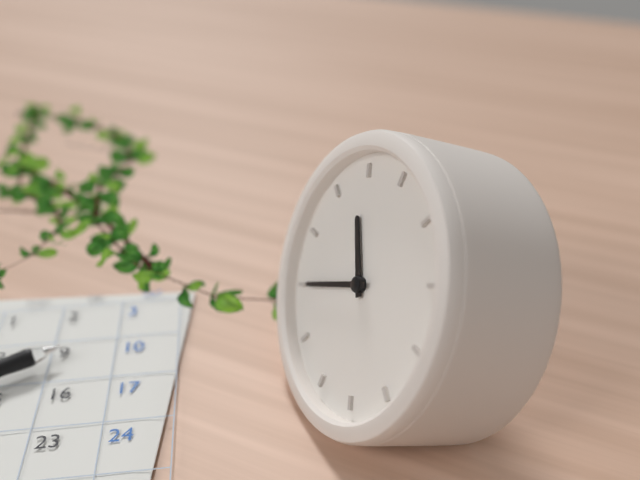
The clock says 10.40
